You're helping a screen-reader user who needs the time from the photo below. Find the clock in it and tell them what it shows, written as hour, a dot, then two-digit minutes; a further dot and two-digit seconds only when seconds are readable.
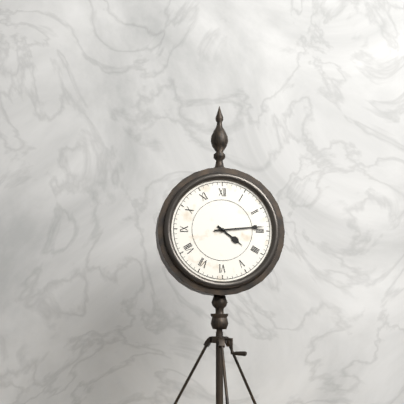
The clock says 4.14
